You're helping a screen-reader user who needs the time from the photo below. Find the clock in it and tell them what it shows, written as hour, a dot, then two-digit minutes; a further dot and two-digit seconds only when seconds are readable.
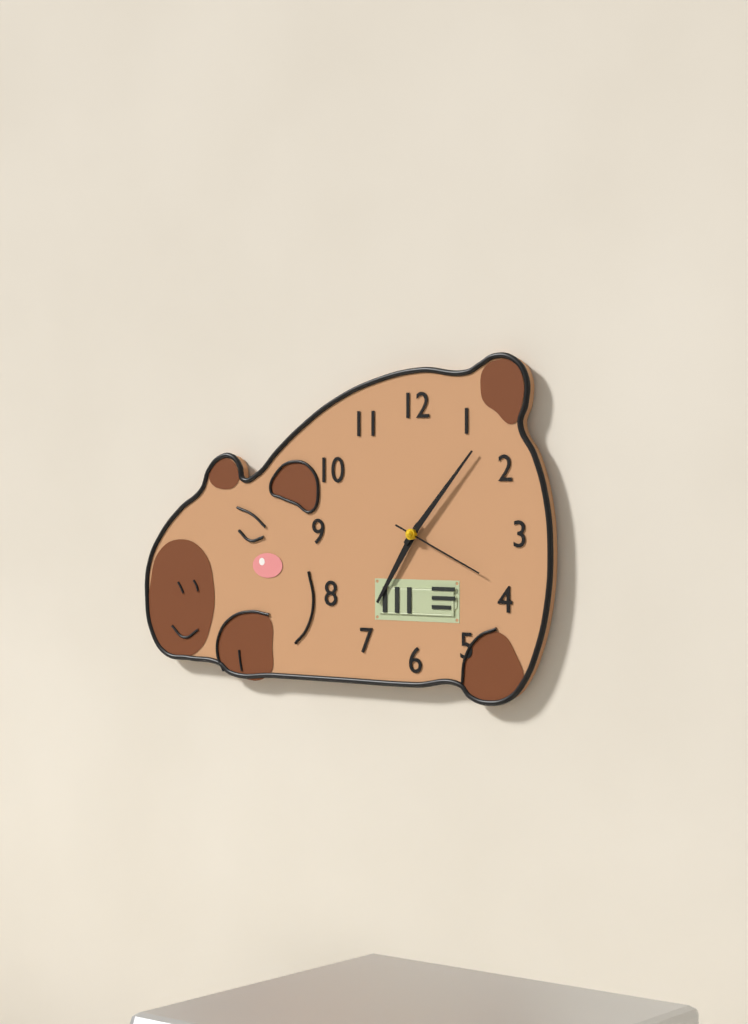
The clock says 7.07.19
